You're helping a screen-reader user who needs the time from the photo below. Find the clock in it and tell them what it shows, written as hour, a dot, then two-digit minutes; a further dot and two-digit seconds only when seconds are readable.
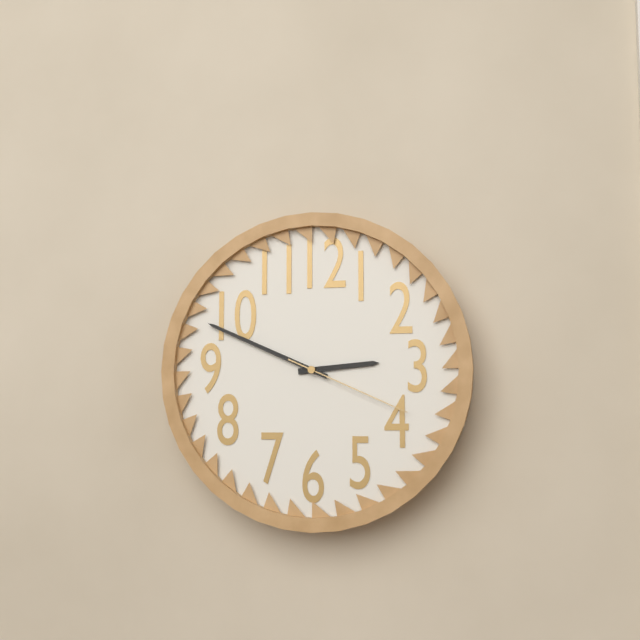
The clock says 2.49.19
